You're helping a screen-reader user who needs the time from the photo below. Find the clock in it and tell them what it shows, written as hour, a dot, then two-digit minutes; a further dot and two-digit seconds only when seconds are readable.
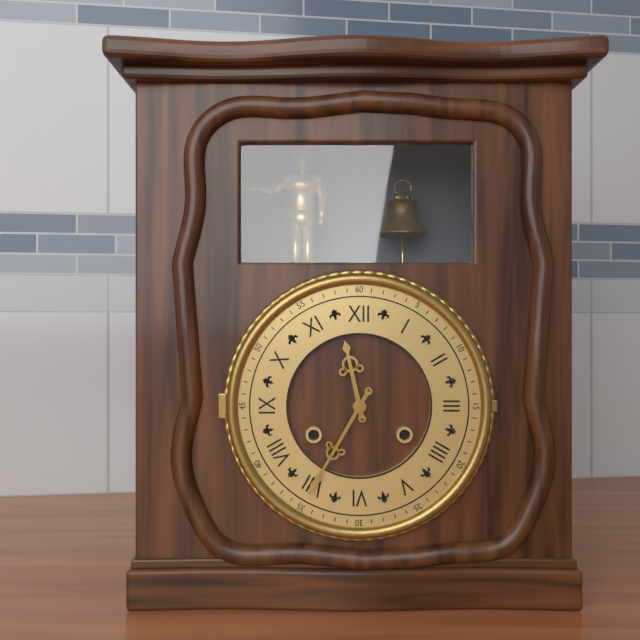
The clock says 11.35
